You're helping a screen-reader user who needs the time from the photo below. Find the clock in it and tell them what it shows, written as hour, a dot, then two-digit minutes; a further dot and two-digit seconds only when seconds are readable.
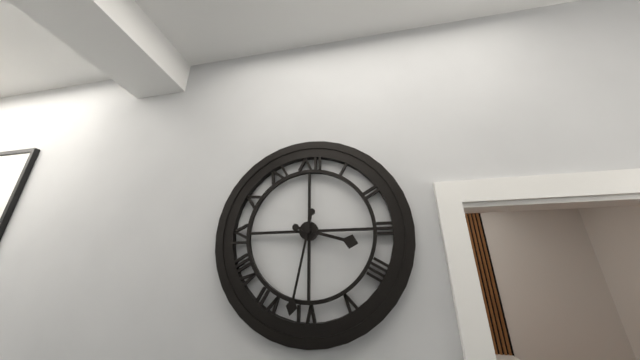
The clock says 3.32
